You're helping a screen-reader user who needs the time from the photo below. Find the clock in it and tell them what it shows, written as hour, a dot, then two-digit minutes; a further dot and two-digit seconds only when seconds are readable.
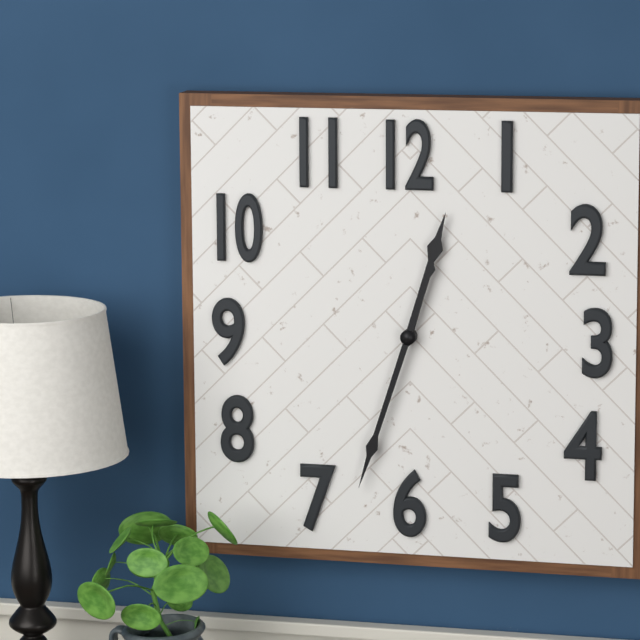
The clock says 12.33
